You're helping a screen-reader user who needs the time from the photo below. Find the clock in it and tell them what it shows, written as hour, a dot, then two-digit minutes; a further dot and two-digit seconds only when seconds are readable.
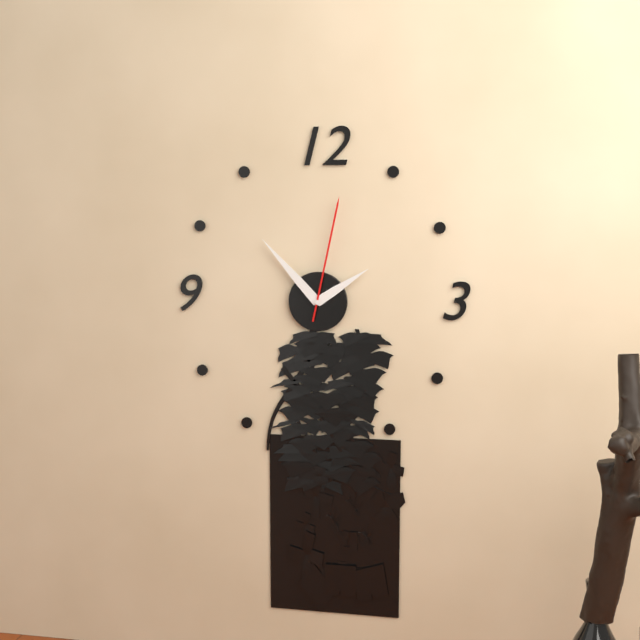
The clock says 1.53.02
